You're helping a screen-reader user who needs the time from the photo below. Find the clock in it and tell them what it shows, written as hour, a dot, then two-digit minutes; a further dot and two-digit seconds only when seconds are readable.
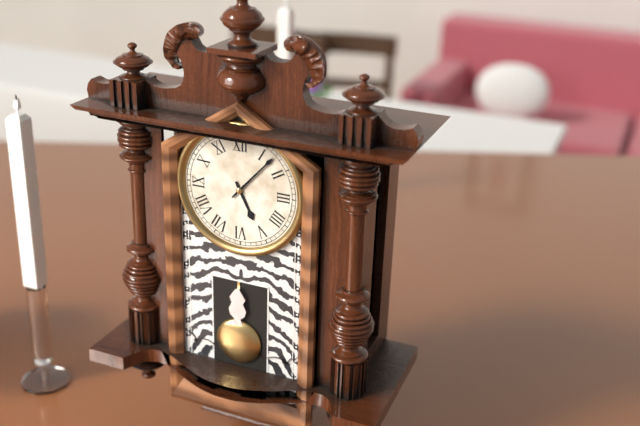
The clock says 5.07
